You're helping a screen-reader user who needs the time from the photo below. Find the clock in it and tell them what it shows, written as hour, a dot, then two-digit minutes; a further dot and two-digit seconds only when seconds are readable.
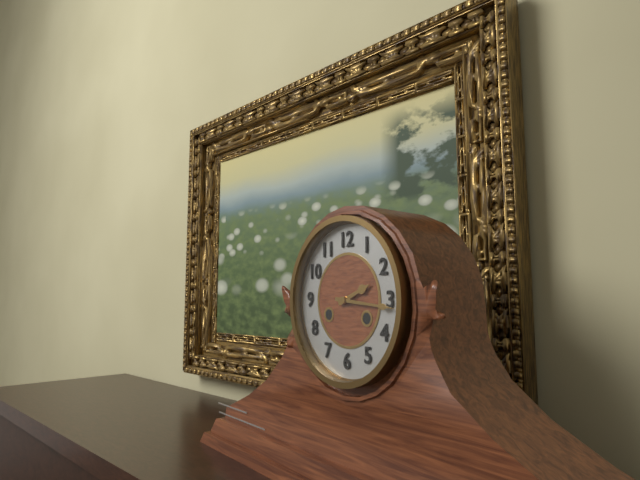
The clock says 2.16
